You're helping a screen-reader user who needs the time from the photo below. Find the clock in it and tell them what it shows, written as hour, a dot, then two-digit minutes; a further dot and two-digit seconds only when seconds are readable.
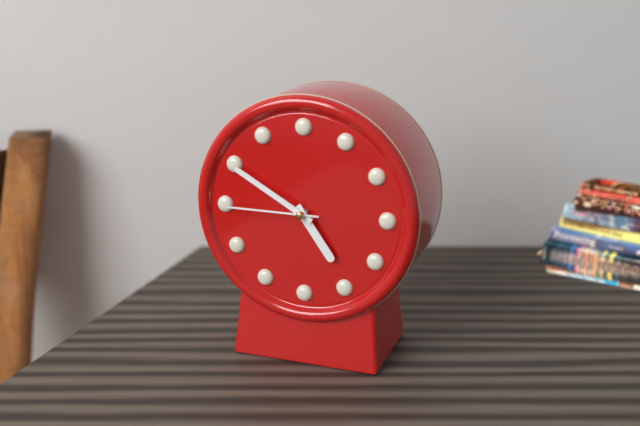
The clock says 4.50.45
